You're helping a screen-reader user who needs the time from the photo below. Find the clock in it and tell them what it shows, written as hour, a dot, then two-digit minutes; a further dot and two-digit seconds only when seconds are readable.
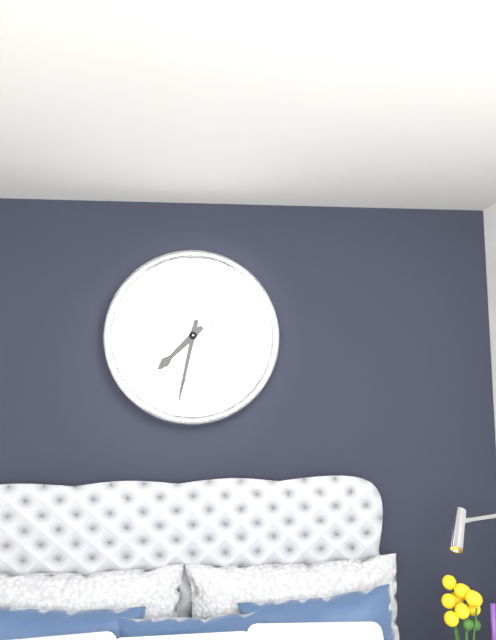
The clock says 7.32
